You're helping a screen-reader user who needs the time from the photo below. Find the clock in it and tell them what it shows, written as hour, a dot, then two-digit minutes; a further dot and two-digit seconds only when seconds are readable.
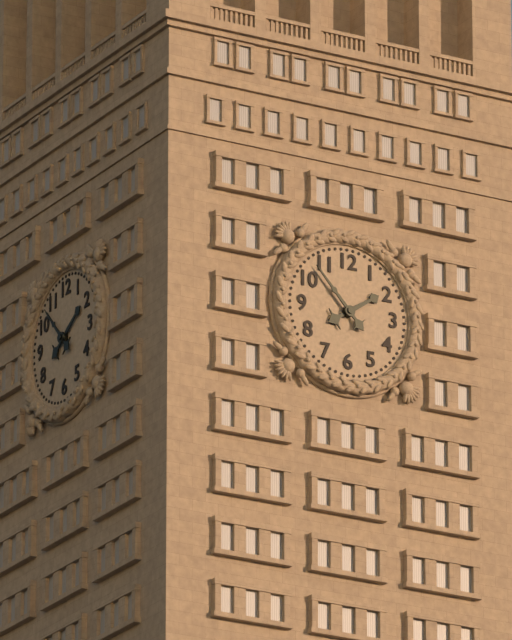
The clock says 1.53
